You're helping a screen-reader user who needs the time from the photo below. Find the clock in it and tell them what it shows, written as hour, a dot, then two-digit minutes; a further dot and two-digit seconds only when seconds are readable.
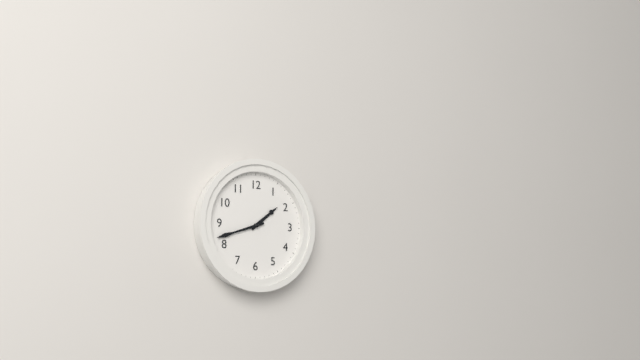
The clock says 1.42
